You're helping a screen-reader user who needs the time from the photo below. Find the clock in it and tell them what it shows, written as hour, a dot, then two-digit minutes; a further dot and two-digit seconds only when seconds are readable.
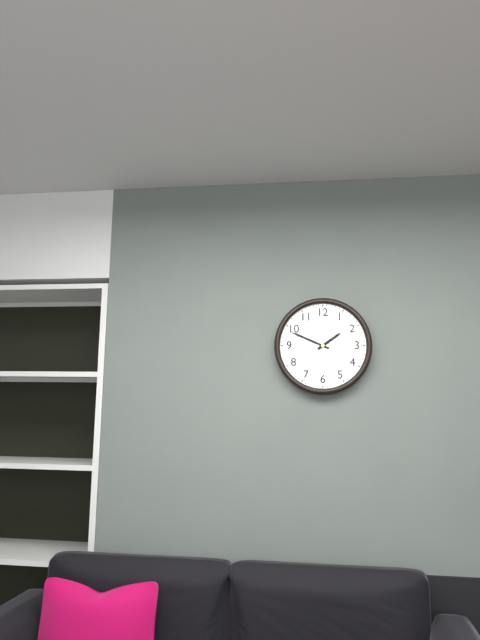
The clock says 1.49
